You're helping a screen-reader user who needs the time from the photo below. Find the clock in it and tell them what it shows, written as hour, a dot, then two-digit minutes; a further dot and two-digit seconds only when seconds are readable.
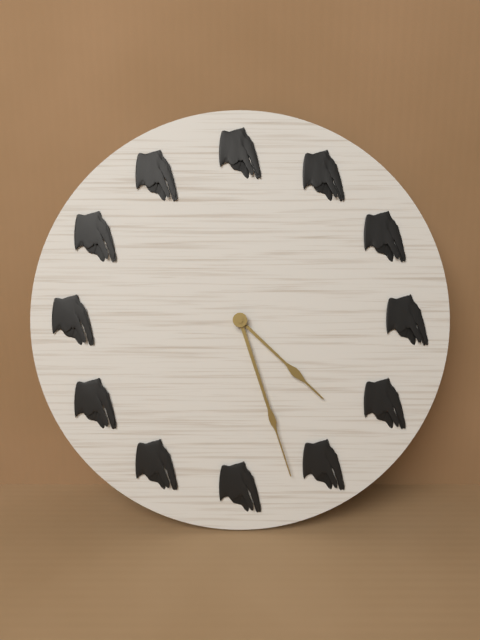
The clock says 4.27
